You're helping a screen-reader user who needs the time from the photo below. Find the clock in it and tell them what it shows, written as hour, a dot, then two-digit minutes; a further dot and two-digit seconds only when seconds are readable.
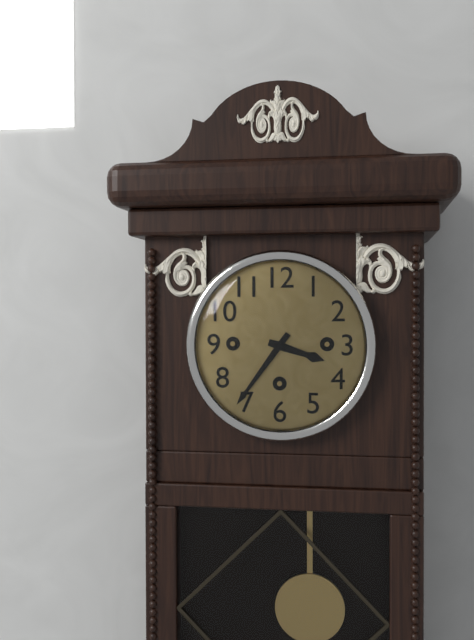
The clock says 3.36
